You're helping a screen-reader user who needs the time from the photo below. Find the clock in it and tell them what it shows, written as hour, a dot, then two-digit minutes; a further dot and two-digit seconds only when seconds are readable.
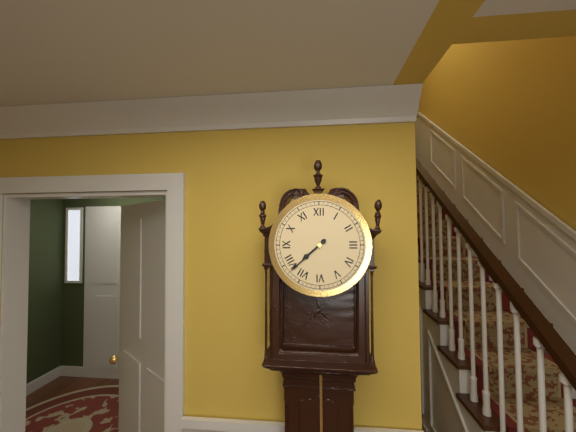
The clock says 7.38
